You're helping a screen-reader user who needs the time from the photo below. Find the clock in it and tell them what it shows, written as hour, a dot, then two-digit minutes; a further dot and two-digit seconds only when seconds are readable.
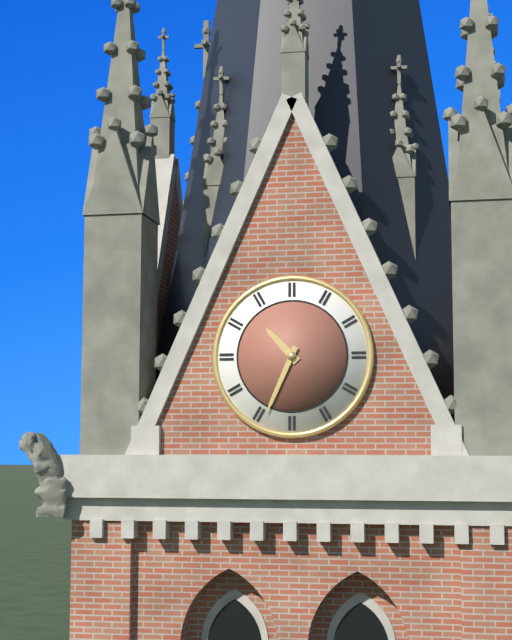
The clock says 10.34
